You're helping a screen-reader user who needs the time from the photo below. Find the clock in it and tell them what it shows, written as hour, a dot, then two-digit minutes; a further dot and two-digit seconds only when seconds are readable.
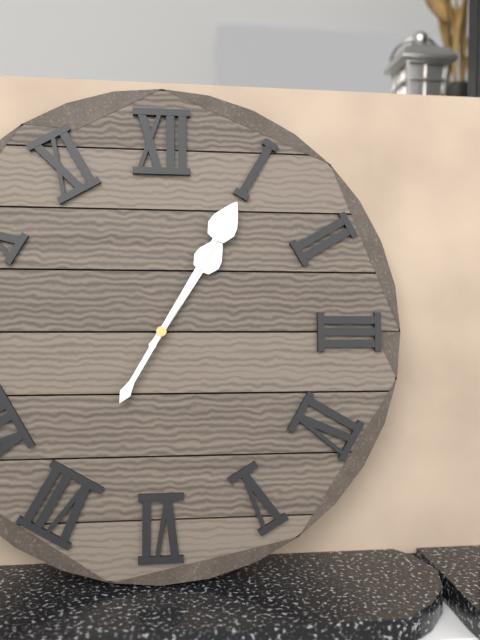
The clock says 1.05
